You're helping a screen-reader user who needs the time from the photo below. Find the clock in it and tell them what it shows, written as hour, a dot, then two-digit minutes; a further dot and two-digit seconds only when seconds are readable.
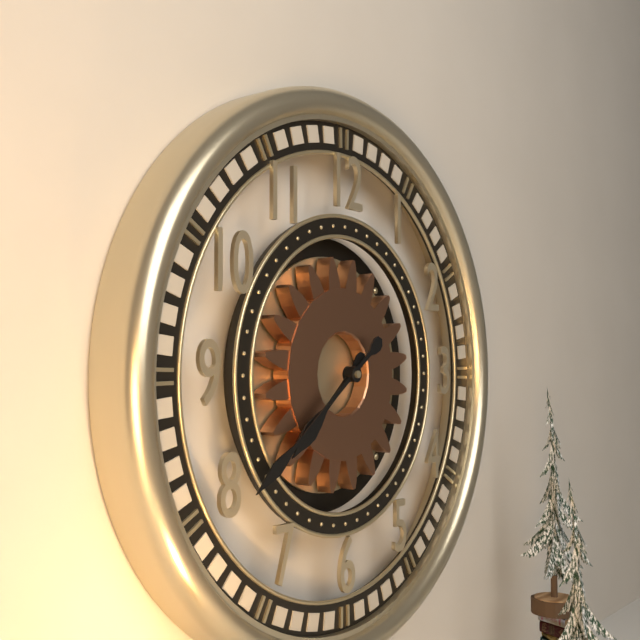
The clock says 7.39
